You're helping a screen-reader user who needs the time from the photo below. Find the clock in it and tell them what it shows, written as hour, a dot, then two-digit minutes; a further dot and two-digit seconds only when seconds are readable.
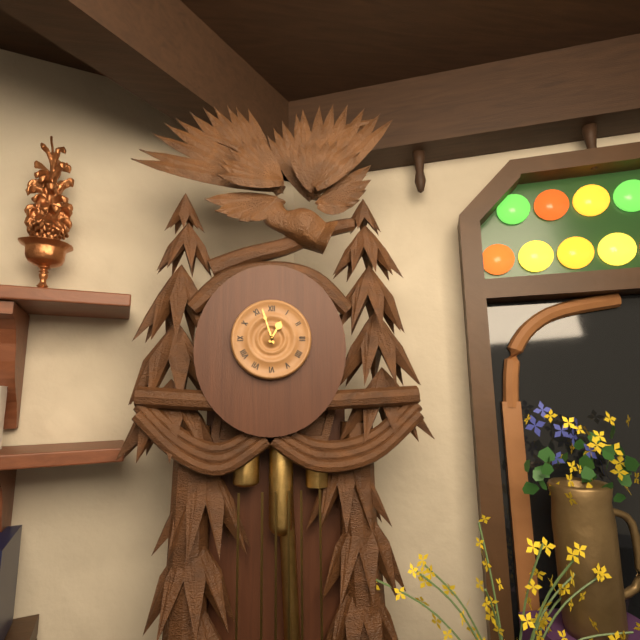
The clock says 12.57
